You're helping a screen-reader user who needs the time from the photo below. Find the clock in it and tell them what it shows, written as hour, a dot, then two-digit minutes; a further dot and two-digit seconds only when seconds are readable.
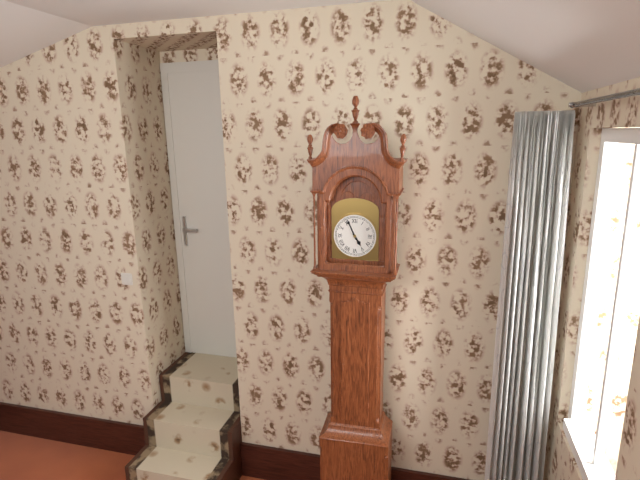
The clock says 4.56
